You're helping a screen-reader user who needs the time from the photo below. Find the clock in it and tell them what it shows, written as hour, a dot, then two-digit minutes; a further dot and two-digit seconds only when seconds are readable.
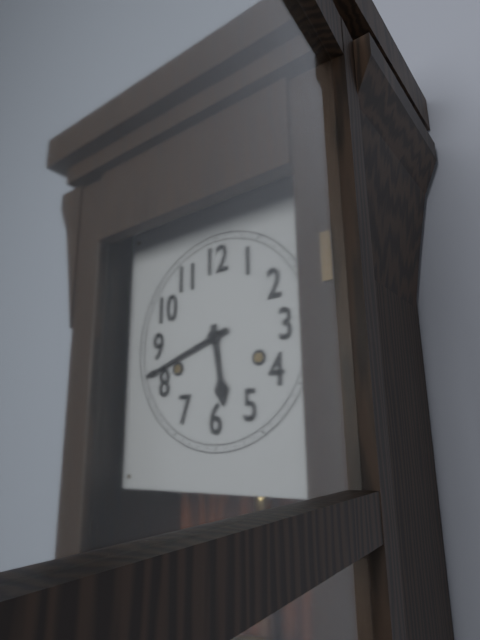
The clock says 5.42
